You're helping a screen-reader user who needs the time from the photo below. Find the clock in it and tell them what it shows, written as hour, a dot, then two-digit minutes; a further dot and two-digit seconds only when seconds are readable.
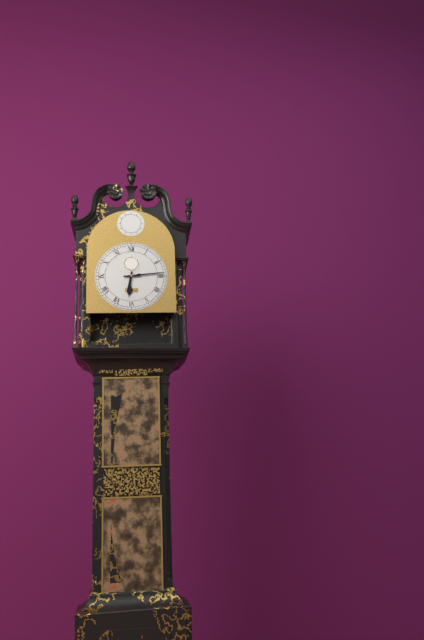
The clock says 6.14
